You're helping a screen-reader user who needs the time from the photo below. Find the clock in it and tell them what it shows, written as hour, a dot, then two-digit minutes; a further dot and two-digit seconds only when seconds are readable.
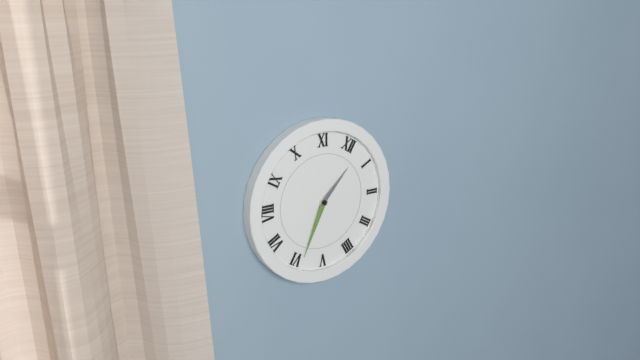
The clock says 12.29
